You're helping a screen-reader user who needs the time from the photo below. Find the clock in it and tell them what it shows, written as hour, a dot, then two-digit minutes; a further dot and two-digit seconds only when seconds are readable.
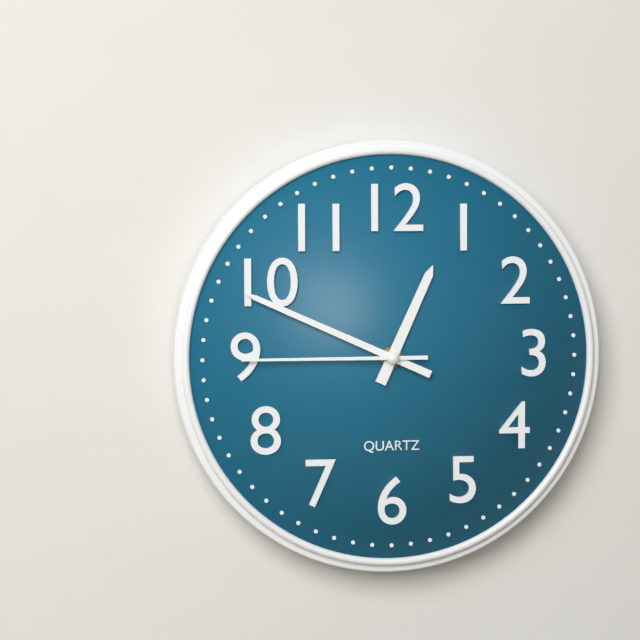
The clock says 12.49.45
